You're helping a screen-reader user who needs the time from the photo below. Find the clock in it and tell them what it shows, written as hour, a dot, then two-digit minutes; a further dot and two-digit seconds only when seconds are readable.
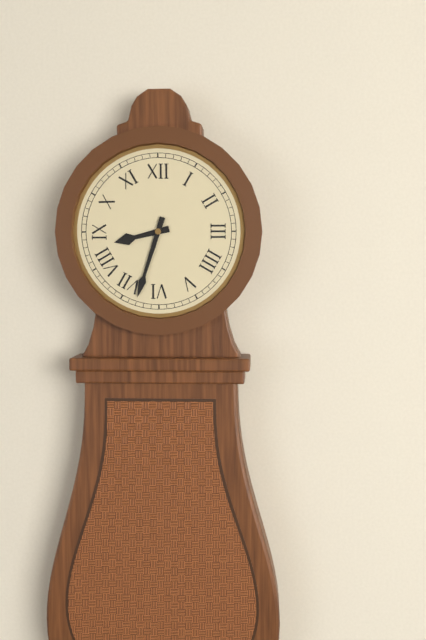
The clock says 8.33
